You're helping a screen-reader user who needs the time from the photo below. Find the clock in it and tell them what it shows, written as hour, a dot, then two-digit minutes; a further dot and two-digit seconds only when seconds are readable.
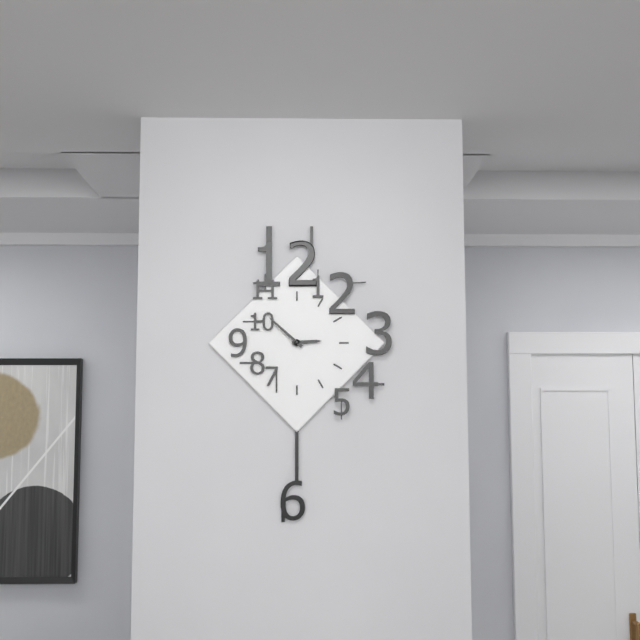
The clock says 2.52
